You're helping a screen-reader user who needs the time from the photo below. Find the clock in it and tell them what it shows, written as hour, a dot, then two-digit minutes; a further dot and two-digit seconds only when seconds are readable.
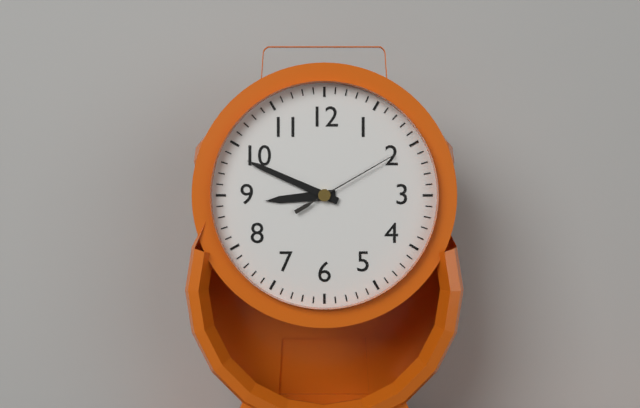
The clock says 8.49.10
